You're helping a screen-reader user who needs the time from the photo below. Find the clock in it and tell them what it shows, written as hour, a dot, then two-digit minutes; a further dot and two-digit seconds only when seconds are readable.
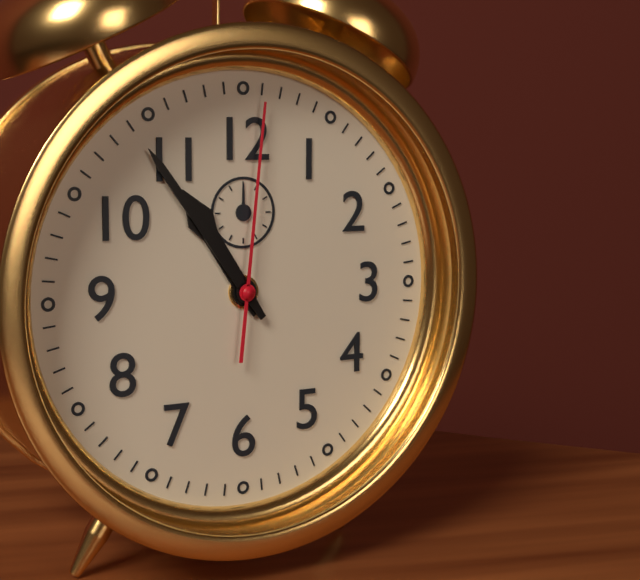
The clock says 10.54.01
